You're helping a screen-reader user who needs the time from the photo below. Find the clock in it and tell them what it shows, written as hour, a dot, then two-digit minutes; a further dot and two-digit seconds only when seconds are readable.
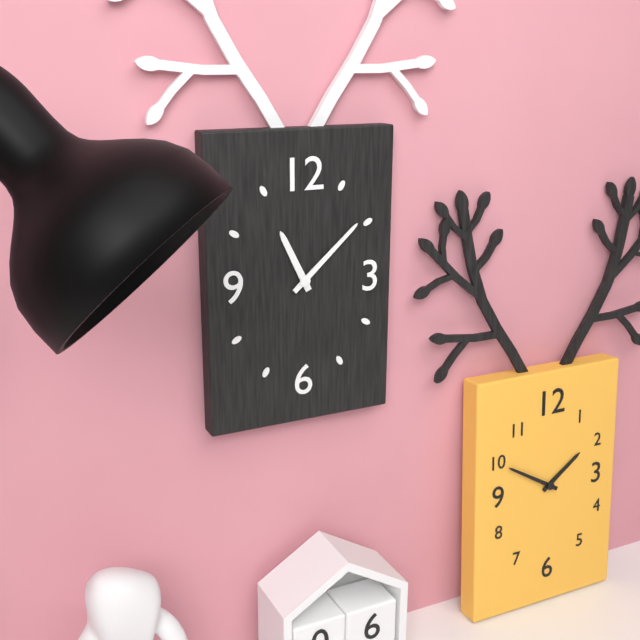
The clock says 11.08
